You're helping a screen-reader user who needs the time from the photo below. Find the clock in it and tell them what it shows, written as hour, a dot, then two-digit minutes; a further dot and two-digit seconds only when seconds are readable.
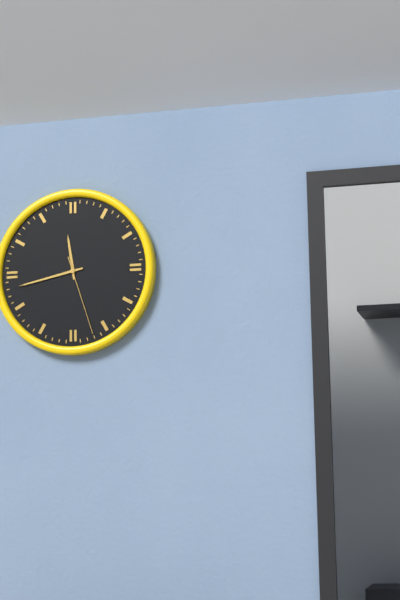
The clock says 11.43.27
